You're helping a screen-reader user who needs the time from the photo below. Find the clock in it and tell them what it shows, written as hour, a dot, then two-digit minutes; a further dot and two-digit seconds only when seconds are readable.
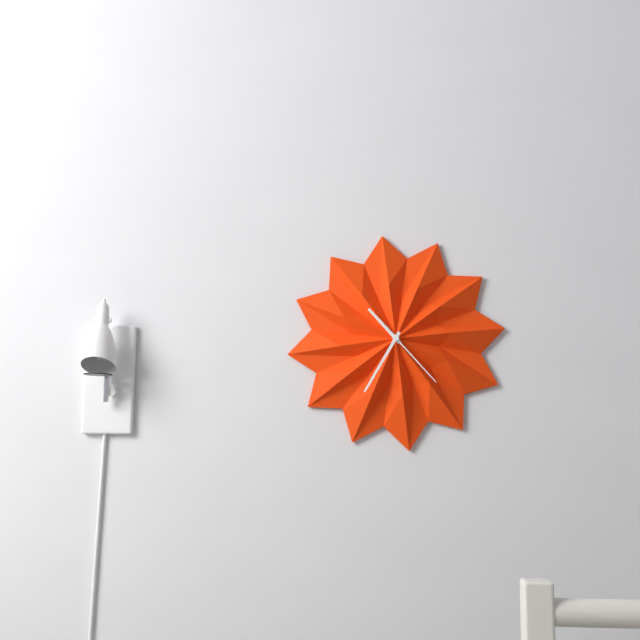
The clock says 10.35.23
